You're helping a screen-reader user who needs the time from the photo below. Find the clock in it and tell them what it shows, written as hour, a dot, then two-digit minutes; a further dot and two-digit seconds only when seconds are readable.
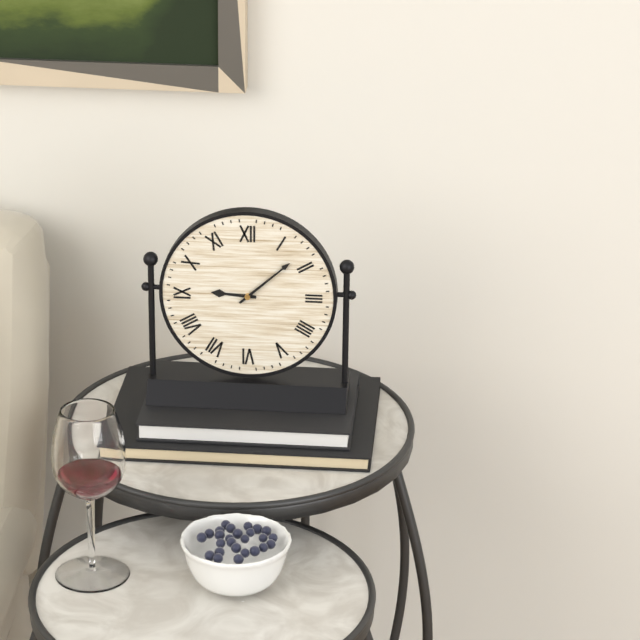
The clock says 9.08
